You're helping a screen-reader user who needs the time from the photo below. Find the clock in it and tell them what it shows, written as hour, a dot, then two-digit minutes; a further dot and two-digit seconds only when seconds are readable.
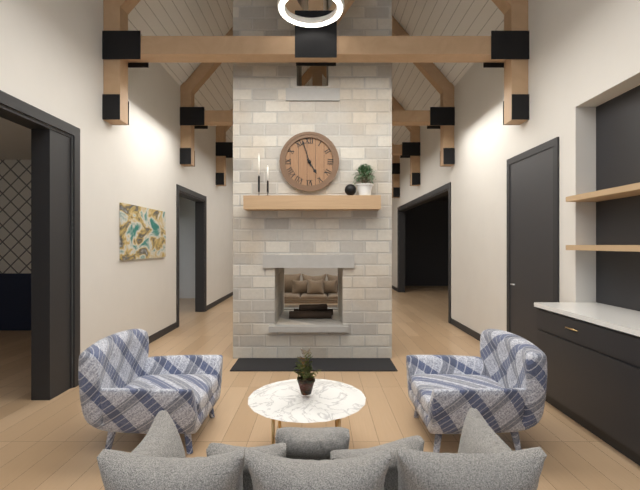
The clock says 4.57
